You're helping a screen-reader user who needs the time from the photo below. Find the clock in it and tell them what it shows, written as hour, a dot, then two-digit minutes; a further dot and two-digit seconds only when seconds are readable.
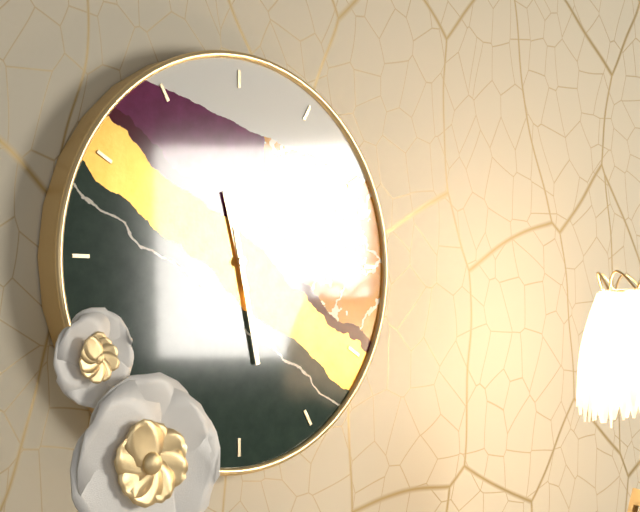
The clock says 11.28
